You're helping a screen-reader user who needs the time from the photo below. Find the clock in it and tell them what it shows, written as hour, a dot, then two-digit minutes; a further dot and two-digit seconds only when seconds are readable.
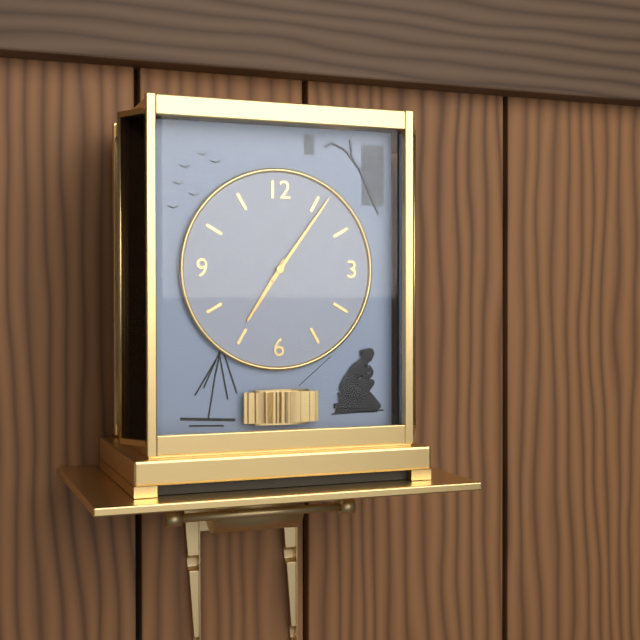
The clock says 7.06
